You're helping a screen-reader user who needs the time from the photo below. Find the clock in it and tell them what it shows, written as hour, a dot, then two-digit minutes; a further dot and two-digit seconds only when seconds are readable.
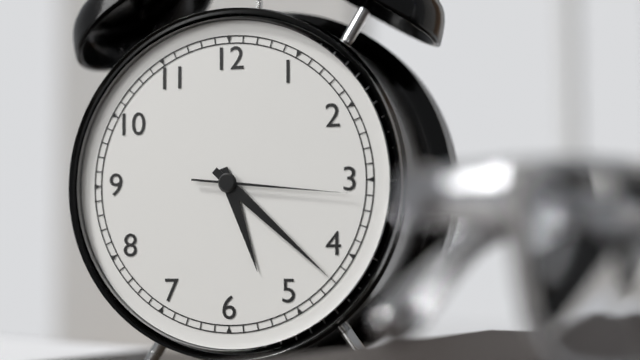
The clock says 5.22.16
